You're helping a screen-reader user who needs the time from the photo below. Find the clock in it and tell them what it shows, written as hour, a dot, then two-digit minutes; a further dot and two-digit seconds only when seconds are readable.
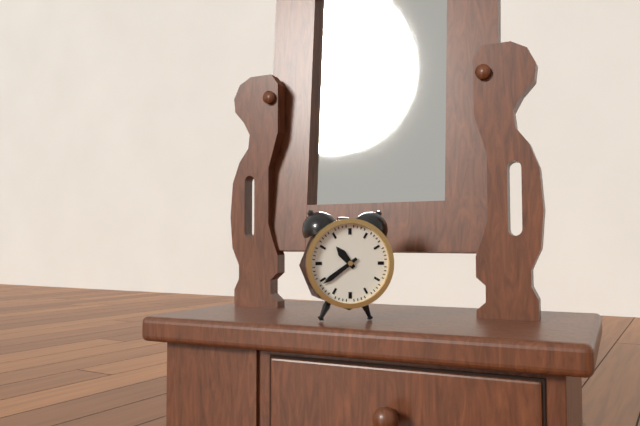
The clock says 10.39
